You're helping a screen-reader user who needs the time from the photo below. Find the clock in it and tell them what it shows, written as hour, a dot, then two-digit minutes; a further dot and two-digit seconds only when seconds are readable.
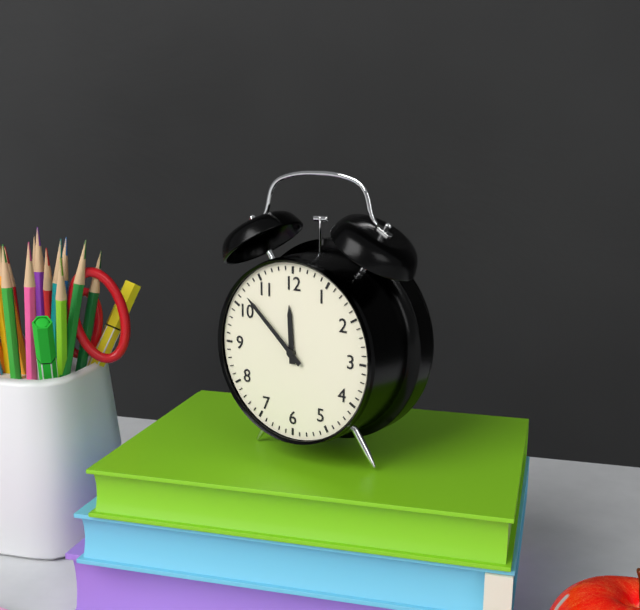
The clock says 11.52
